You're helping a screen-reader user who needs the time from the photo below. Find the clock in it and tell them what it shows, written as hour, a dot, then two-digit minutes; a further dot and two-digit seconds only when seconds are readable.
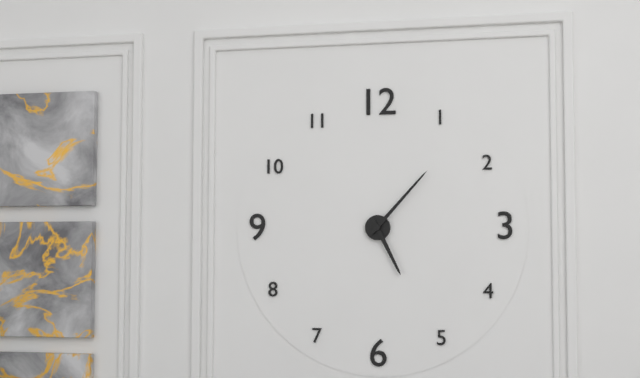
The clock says 5.07
